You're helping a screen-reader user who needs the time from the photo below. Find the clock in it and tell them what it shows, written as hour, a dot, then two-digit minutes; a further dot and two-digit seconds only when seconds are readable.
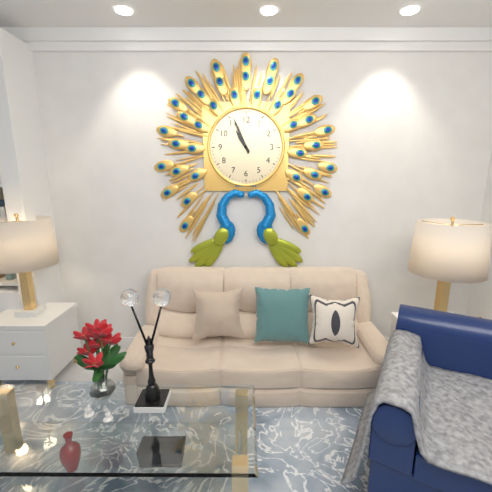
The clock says 10.56
